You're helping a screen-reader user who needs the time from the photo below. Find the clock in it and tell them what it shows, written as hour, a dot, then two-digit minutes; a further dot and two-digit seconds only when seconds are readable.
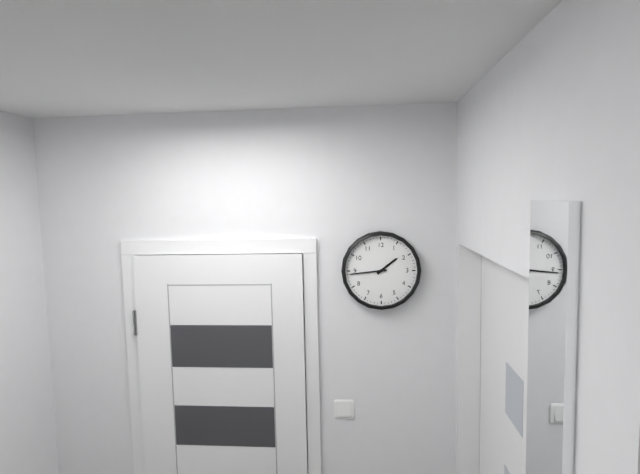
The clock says 1.44
